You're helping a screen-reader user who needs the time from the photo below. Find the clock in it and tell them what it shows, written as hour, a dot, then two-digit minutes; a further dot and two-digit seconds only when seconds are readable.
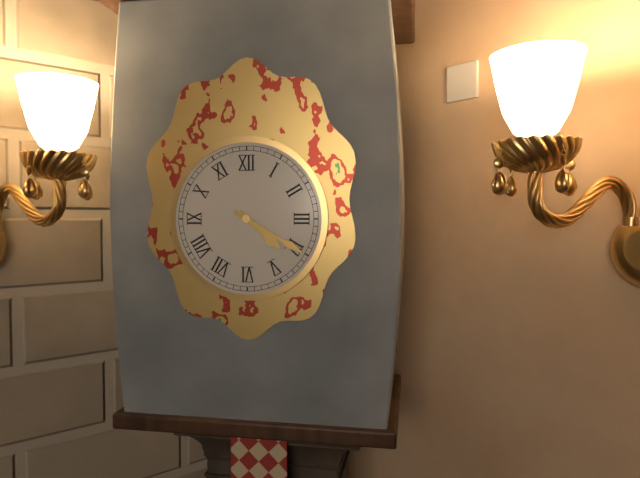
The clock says 4.20
